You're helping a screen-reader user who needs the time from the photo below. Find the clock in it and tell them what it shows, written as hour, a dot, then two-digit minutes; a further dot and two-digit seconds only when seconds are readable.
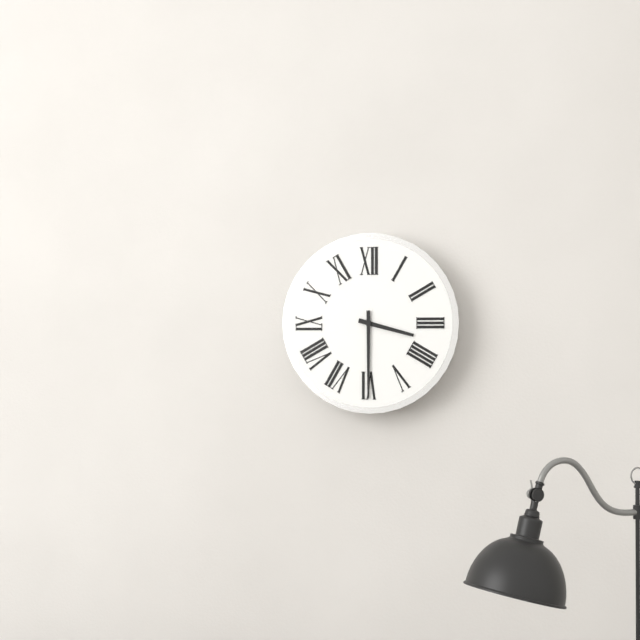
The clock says 3.30
